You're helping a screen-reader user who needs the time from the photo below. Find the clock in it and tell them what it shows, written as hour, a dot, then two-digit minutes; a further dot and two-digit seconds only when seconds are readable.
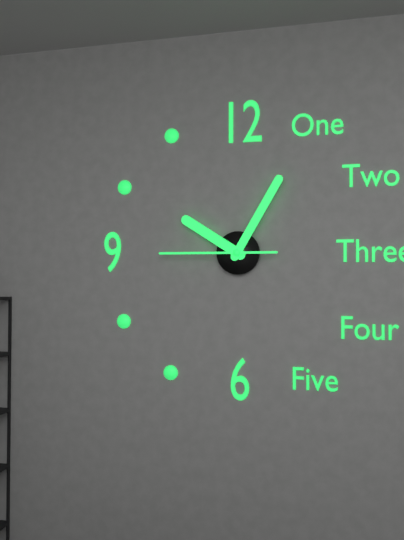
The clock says 10.05.45
